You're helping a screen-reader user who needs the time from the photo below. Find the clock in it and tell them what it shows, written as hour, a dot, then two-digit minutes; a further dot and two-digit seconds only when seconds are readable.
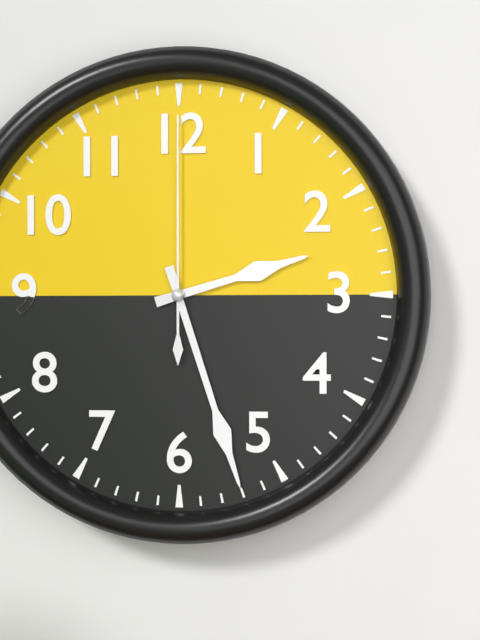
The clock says 2.27.00
